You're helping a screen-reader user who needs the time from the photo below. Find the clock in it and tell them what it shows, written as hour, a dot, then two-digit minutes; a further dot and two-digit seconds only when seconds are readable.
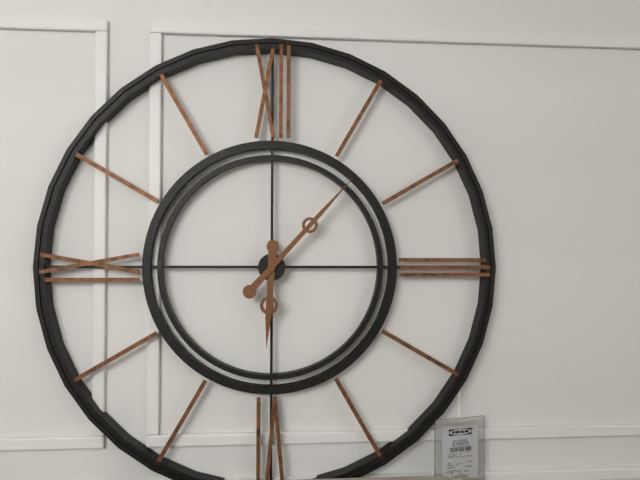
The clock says 6.07
